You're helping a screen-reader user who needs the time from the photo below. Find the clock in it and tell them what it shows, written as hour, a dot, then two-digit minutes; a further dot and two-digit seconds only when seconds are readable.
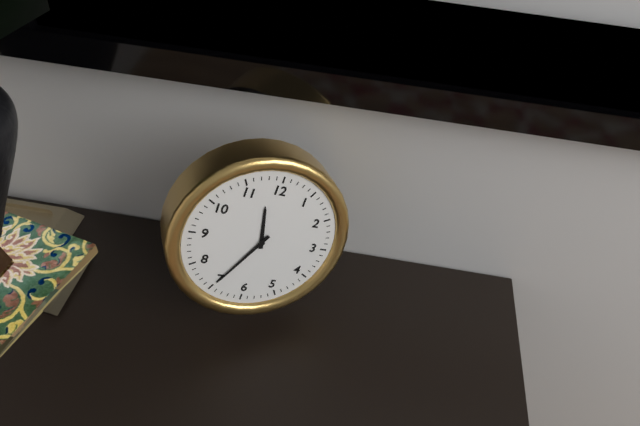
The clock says 11.35
